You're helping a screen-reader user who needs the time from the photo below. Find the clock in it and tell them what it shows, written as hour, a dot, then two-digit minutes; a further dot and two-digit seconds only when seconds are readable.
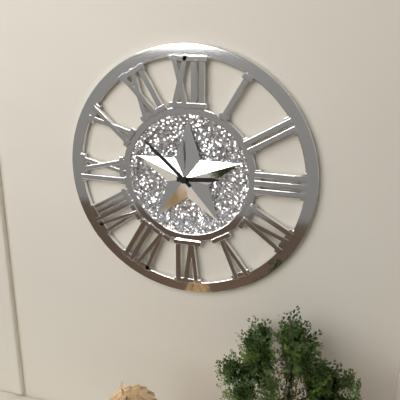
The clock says 2.52
